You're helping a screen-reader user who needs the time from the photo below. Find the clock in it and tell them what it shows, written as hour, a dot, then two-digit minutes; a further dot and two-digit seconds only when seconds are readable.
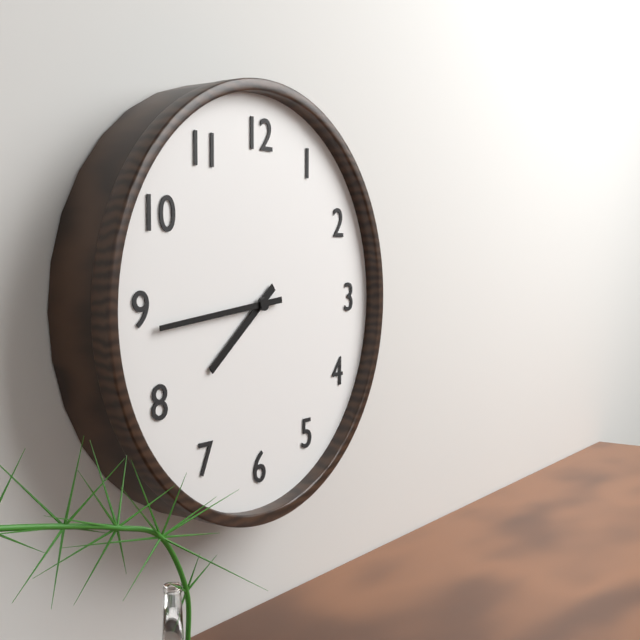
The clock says 7.44
